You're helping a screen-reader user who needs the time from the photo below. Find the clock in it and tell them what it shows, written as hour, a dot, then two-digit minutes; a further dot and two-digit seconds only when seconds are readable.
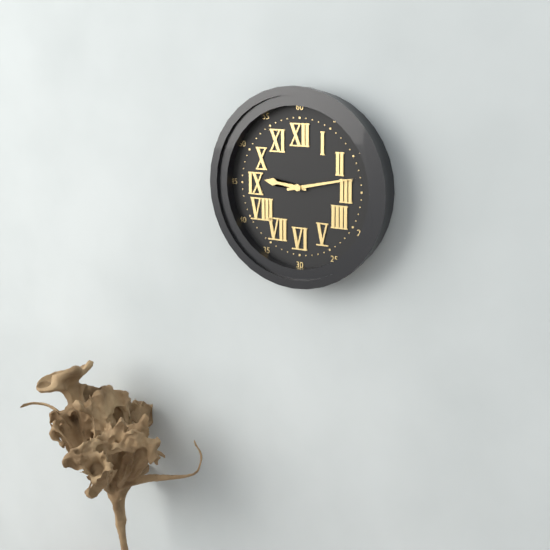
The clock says 9.13
